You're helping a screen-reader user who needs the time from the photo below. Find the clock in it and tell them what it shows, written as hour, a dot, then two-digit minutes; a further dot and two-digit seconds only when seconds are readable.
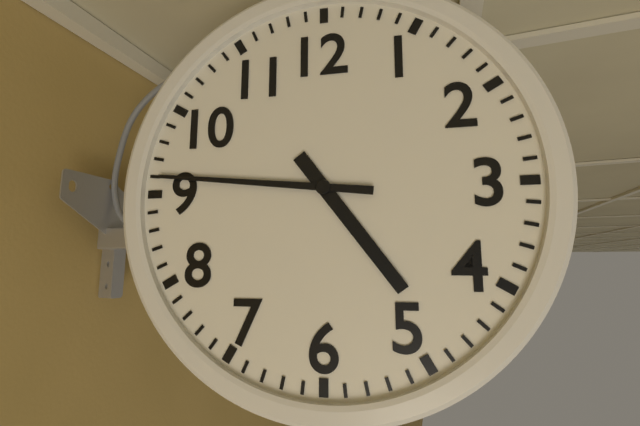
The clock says 4.46
